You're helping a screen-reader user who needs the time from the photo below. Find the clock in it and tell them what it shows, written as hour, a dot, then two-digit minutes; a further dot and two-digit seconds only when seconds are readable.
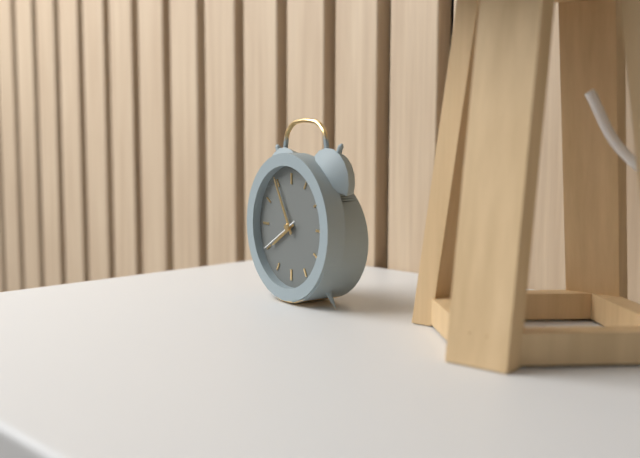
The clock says 7.55
